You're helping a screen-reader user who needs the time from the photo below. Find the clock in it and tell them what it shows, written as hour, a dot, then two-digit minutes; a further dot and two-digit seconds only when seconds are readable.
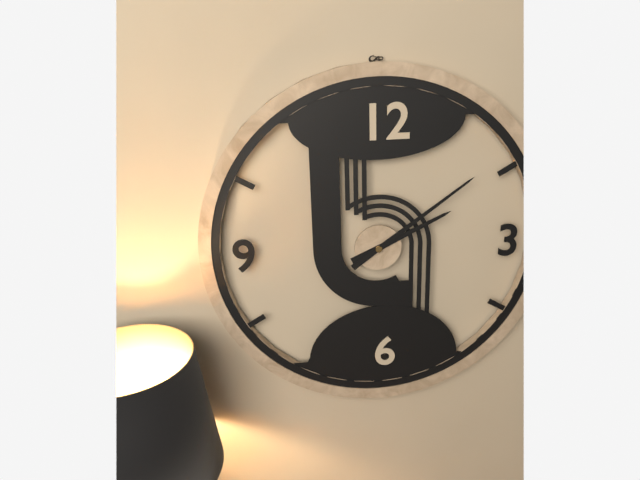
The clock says 2.09
